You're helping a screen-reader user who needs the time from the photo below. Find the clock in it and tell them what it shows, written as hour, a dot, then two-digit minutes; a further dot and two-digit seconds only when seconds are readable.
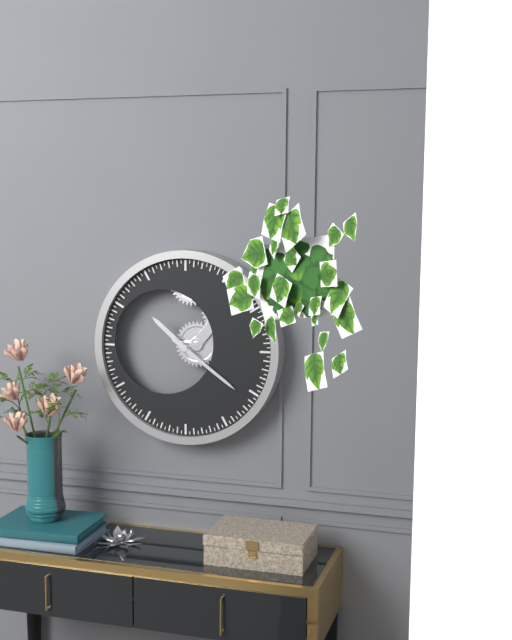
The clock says 10.21
